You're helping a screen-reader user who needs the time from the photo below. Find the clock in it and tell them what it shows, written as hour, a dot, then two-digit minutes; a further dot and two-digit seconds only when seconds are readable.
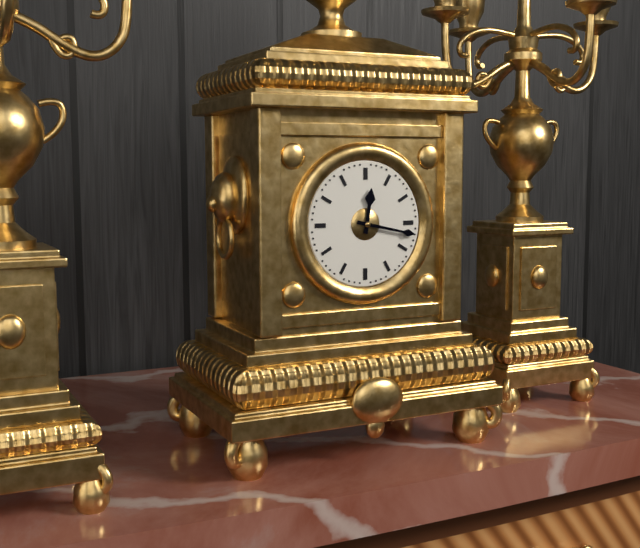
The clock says 12.17
